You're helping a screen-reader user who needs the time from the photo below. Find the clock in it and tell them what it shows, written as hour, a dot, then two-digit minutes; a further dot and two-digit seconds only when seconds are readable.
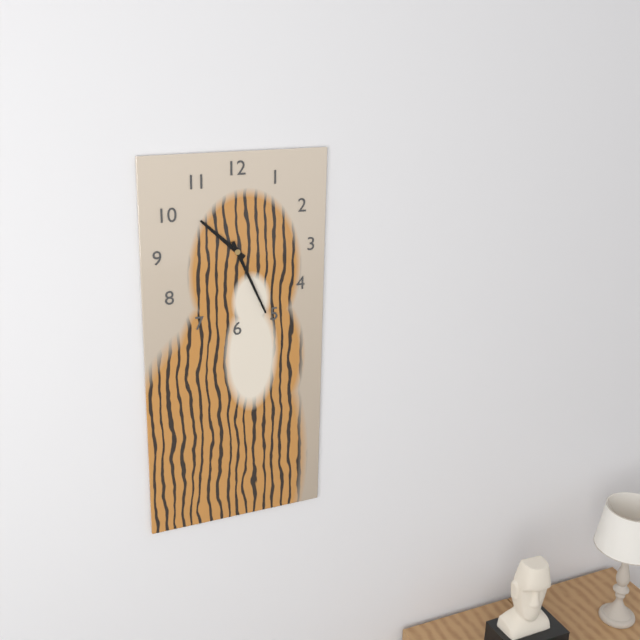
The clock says 10.26
